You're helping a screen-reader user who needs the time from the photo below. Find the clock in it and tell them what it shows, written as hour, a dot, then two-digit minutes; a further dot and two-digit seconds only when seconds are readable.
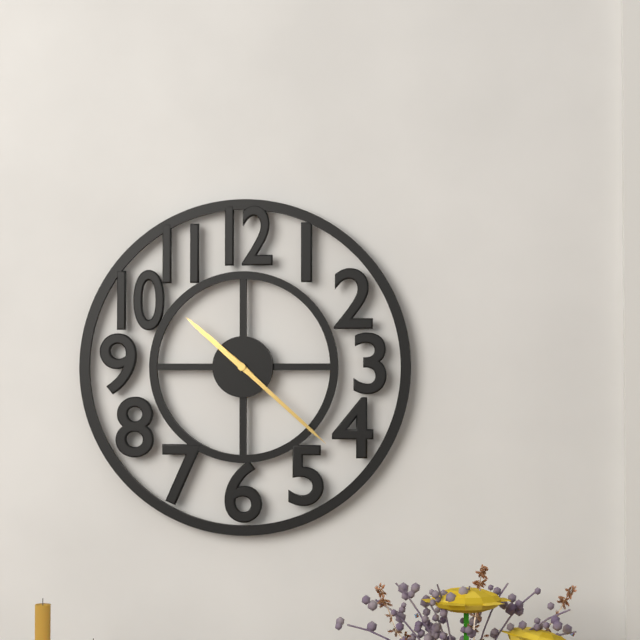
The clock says 10.22
